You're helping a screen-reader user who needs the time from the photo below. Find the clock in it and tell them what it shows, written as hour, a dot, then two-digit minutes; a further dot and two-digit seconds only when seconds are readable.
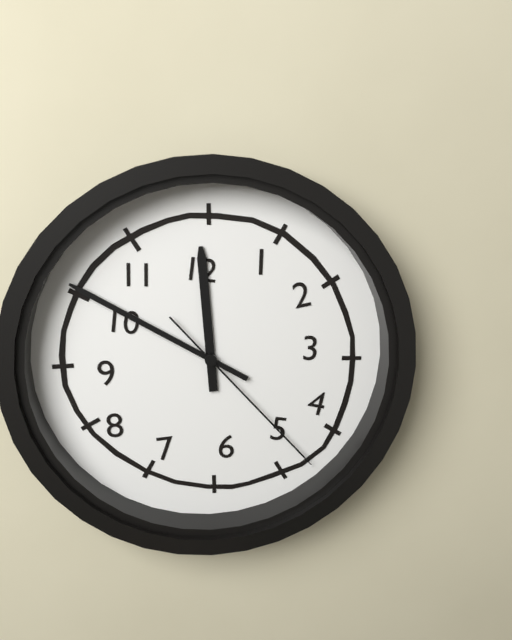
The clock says 11.50.23
